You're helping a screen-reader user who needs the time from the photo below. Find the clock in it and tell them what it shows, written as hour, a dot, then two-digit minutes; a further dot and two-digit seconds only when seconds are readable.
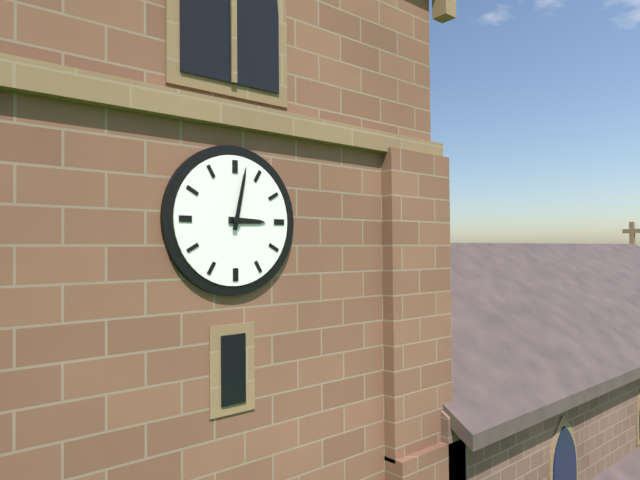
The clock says 3.02
